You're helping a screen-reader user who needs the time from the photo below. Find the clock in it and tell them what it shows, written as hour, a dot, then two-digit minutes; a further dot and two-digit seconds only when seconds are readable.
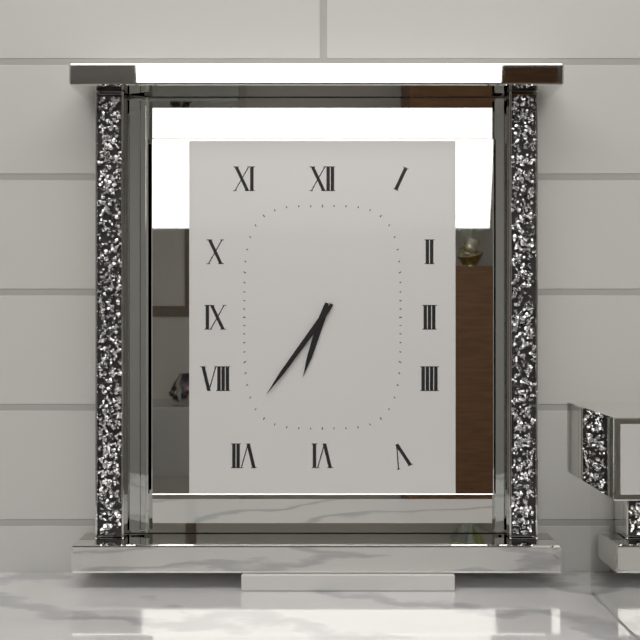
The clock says 6.36
